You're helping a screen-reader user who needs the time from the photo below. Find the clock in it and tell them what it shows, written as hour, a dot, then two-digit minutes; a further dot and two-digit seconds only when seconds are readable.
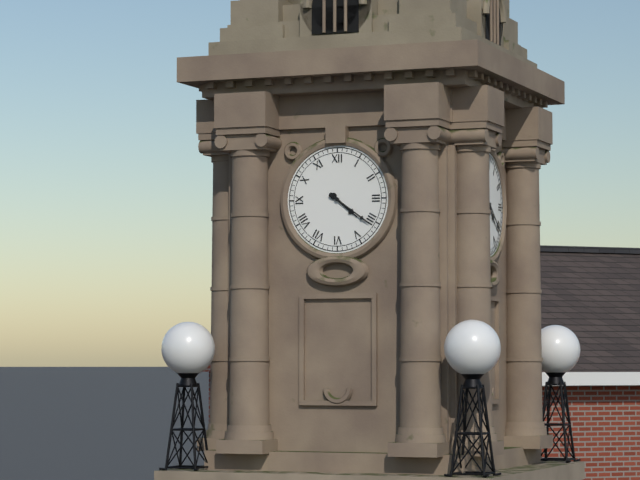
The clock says 4.21
